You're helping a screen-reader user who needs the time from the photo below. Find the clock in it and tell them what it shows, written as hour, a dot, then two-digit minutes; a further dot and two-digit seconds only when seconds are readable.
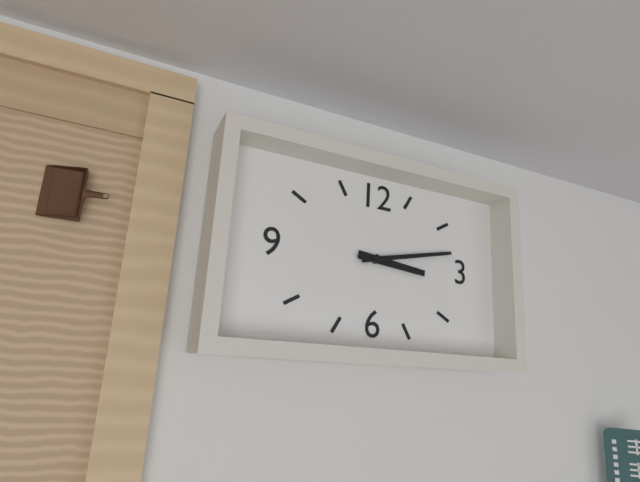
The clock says 3.13
